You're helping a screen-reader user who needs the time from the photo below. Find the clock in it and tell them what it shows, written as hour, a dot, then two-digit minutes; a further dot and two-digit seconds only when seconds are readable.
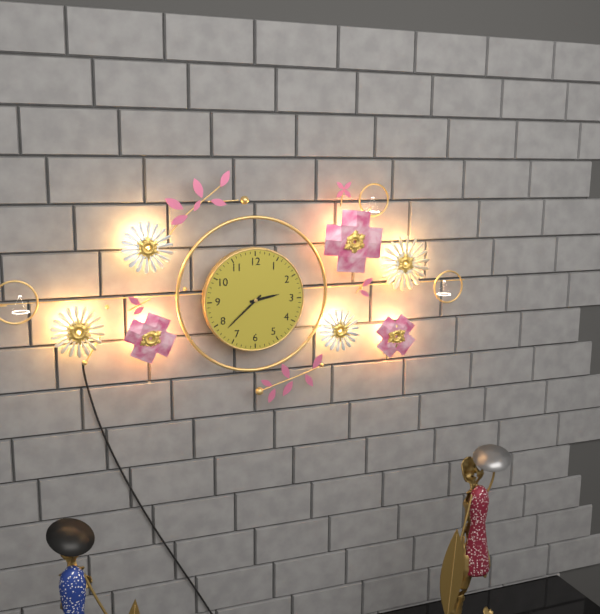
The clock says 2.38
